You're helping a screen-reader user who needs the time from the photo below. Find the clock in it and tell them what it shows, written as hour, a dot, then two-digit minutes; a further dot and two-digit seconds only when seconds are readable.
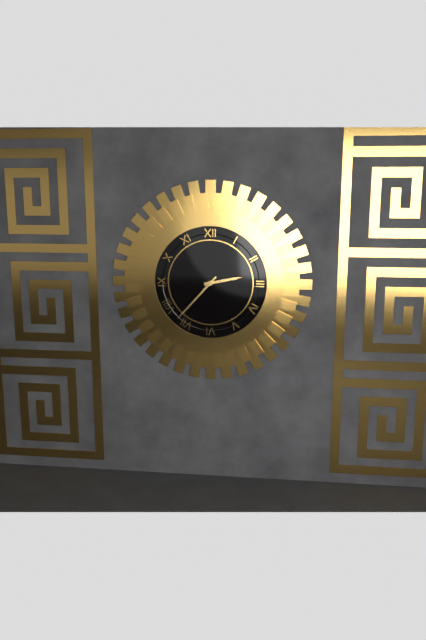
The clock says 2.37
